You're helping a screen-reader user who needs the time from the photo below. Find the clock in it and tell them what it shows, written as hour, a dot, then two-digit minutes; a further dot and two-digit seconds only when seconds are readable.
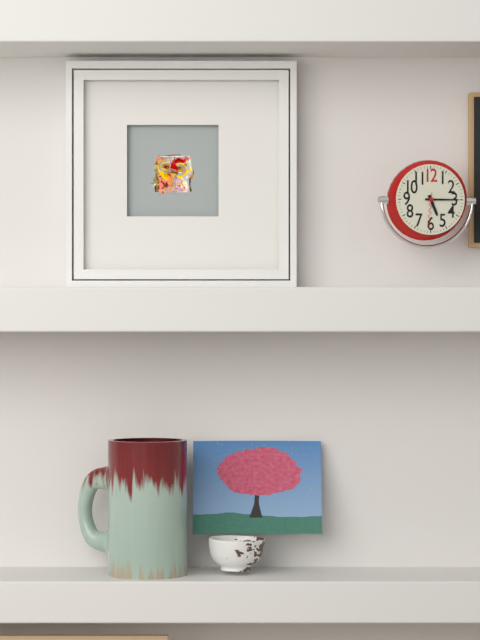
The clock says 5.15
